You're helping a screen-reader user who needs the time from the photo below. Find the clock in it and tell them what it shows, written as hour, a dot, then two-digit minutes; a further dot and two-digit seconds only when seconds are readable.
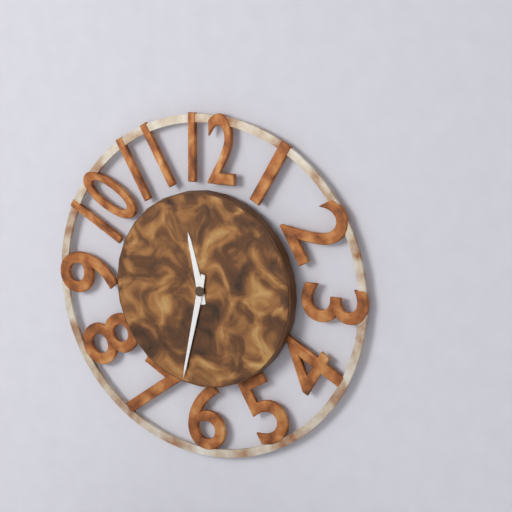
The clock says 11.32
